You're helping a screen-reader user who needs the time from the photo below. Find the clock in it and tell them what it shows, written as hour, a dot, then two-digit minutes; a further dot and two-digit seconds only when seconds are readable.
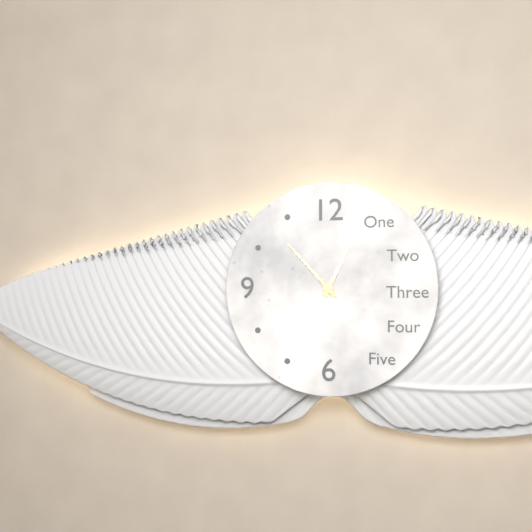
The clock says 12.53
